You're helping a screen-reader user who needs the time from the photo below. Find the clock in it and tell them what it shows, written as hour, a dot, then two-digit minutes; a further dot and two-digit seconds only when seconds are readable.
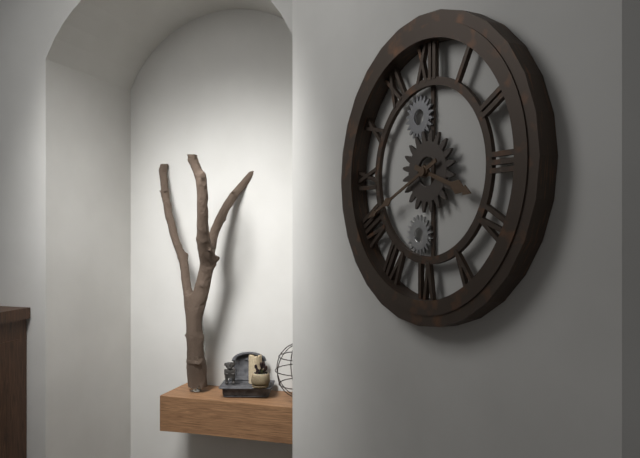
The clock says 3.41
